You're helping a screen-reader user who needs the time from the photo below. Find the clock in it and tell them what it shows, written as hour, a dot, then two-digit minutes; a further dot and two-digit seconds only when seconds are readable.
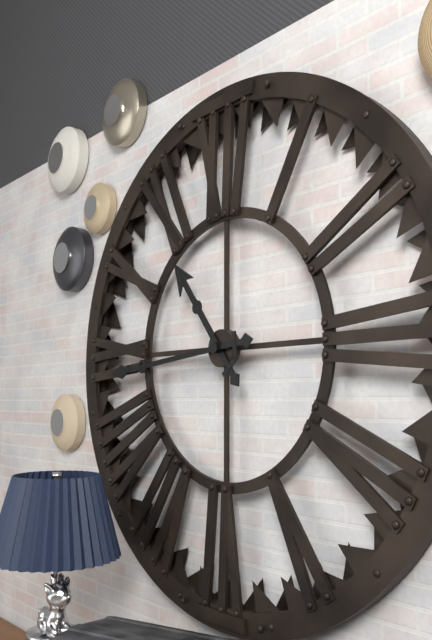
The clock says 10.44
